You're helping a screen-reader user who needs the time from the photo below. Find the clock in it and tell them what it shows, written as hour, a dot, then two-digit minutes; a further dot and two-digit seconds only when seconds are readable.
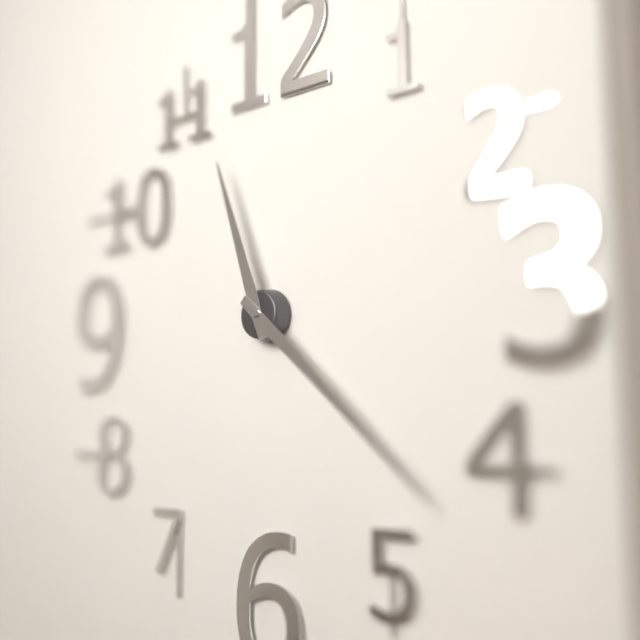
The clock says 11.22
